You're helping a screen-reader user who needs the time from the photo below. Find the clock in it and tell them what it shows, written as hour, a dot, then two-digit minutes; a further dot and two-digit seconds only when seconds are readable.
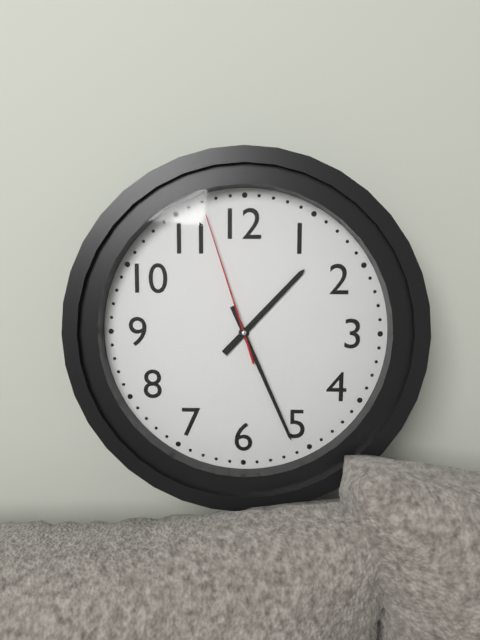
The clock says 1.26.57
